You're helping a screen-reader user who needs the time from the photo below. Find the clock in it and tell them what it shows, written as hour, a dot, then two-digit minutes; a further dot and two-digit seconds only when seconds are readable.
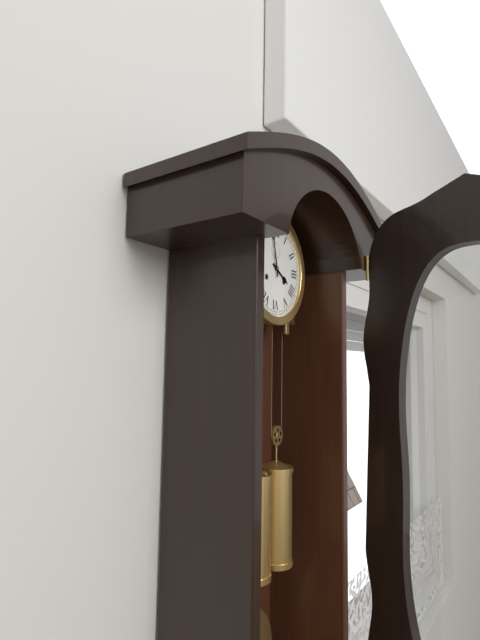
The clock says 3.58
